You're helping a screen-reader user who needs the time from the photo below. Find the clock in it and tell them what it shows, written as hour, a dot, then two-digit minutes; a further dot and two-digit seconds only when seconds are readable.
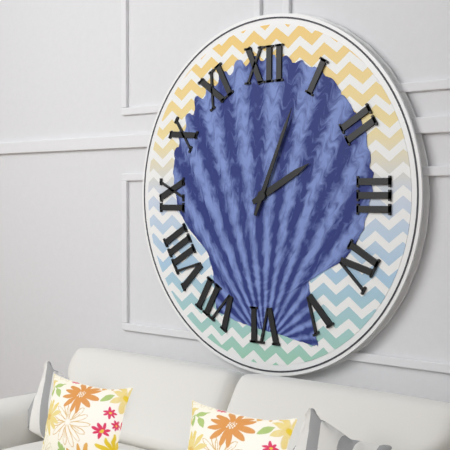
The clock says 2.04
